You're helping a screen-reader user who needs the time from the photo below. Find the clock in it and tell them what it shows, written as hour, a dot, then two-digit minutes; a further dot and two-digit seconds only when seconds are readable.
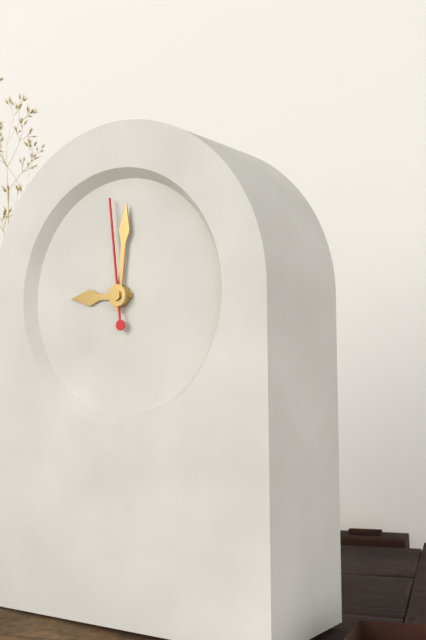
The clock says 9.01.59
